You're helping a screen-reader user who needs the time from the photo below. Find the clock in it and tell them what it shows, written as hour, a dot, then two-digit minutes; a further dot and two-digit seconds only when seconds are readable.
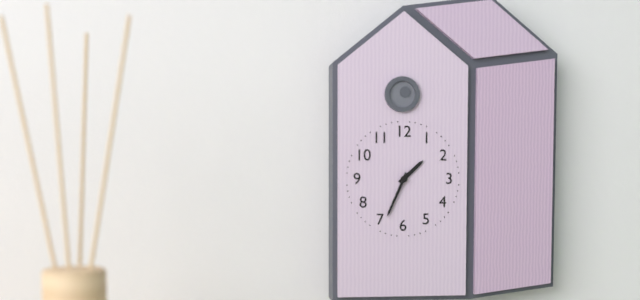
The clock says 1.34
